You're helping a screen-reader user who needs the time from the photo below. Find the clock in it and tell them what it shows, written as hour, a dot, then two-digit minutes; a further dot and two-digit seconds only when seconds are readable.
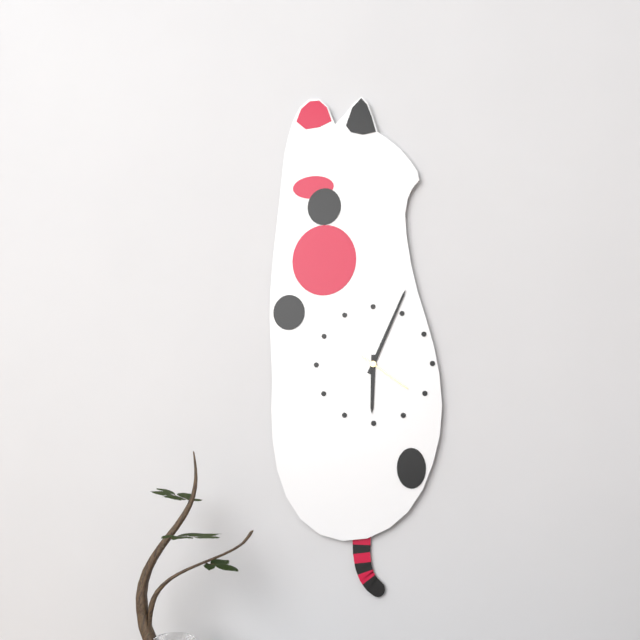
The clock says 6.04.21
